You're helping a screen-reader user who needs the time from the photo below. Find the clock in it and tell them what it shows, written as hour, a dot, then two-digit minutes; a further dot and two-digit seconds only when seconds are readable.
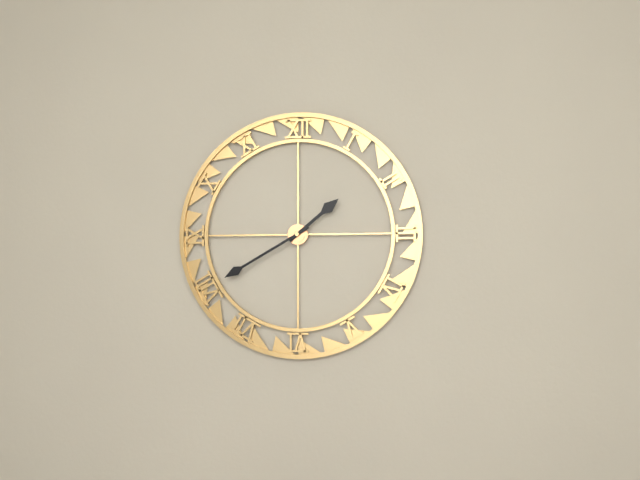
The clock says 1.40
